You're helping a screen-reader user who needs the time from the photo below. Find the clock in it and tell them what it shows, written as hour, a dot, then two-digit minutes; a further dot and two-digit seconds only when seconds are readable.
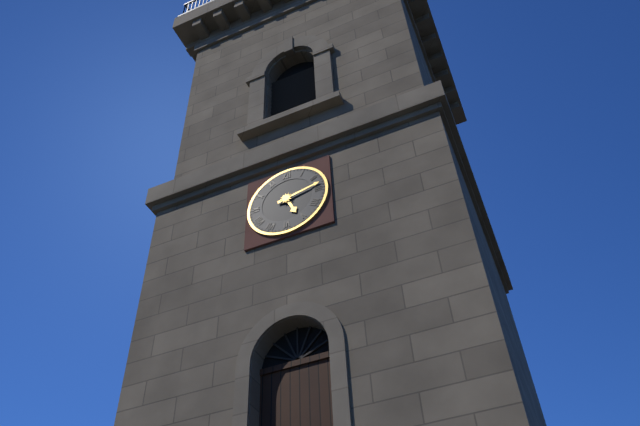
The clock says 5.13
